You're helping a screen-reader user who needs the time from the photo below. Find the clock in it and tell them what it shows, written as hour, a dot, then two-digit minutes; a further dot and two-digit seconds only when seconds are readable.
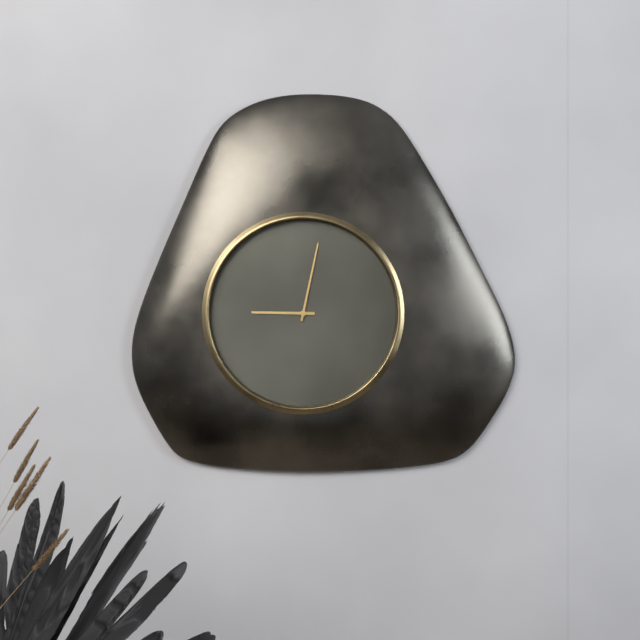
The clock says 9.02
